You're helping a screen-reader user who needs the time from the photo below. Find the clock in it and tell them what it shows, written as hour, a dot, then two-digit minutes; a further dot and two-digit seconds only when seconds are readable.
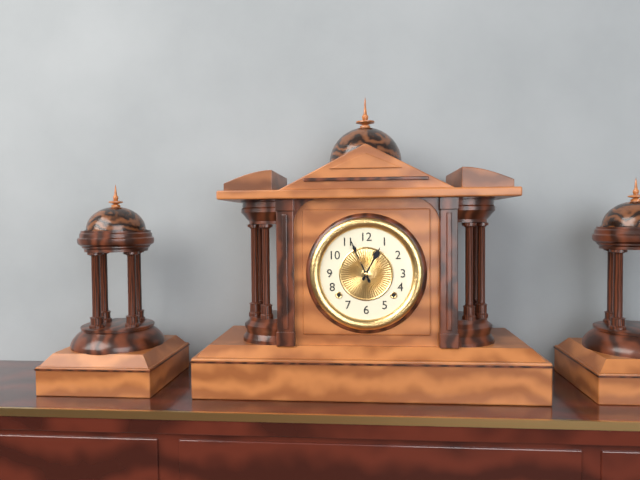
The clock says 12.56
